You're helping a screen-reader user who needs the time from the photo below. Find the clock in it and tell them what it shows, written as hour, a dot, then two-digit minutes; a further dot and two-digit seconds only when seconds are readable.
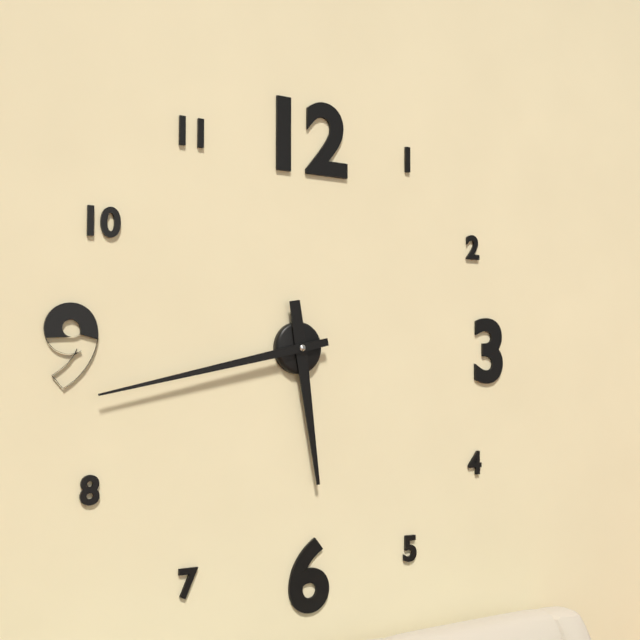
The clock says 5.43
